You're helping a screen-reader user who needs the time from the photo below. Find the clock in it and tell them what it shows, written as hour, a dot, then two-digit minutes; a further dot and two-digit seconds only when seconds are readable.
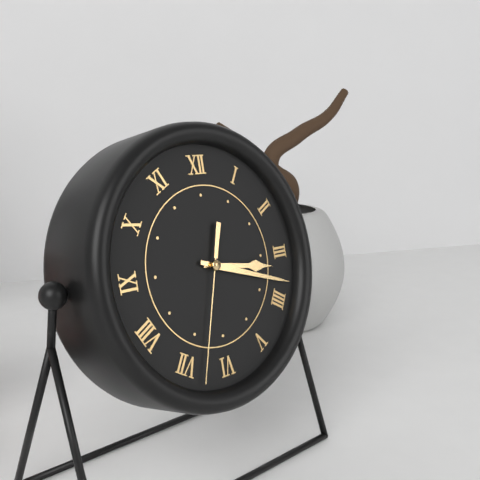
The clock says 3.18.33
